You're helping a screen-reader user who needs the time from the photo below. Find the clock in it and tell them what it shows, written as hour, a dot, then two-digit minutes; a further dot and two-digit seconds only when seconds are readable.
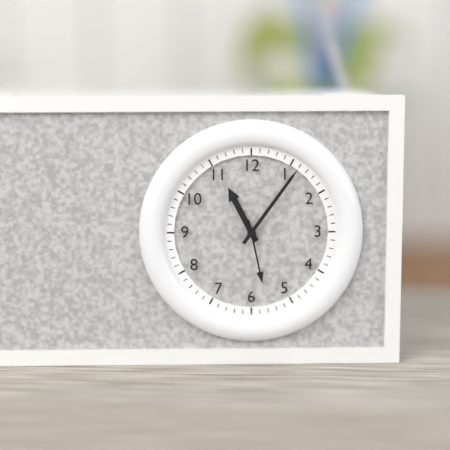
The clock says 11.06.28
